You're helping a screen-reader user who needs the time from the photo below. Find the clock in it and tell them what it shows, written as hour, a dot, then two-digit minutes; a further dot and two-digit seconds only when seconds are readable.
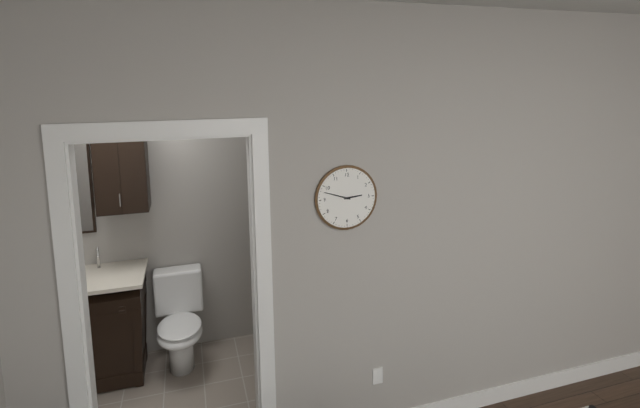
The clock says 2.48
